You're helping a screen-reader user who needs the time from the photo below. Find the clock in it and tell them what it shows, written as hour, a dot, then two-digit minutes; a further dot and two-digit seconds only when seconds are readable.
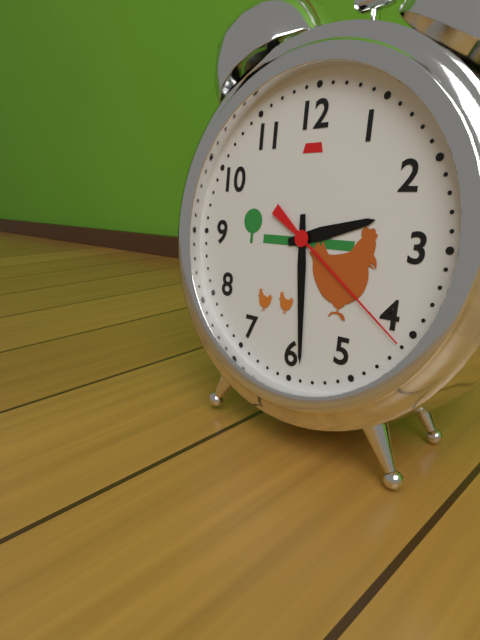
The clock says 2.29.21
